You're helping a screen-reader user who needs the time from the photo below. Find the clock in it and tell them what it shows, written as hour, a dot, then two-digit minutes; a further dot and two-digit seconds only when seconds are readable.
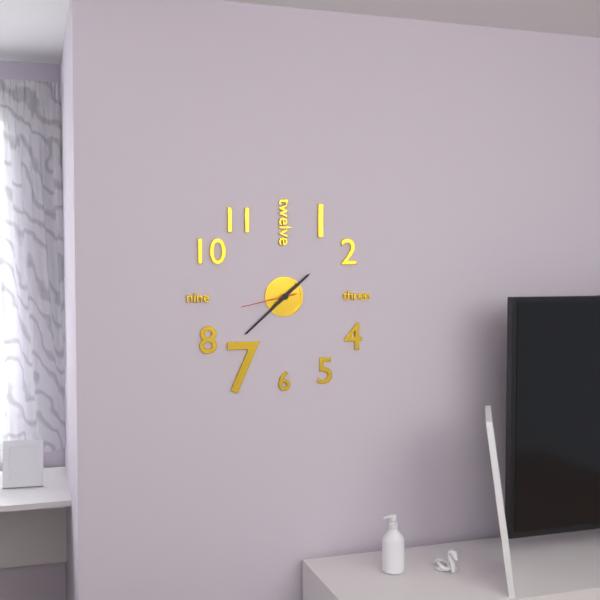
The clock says 1.38.43
